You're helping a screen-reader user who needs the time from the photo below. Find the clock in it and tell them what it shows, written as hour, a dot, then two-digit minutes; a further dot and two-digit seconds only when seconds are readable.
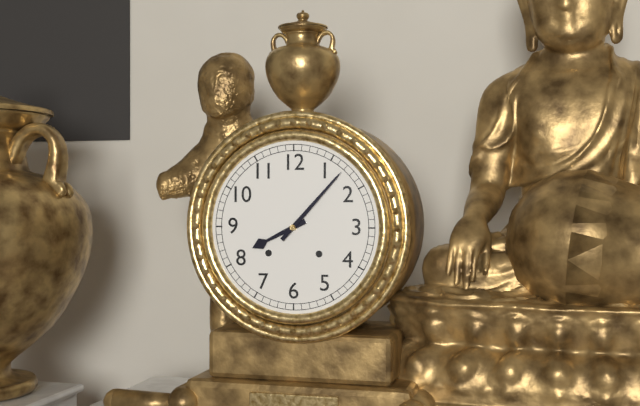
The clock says 8.07
